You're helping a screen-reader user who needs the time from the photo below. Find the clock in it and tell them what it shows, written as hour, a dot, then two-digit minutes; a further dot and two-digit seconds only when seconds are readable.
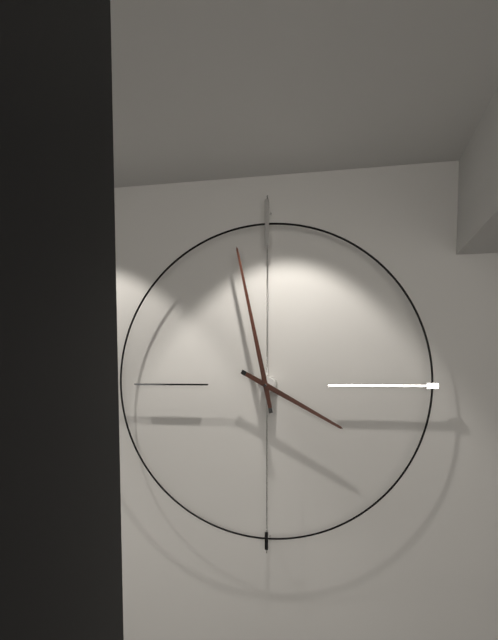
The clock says 3.58
